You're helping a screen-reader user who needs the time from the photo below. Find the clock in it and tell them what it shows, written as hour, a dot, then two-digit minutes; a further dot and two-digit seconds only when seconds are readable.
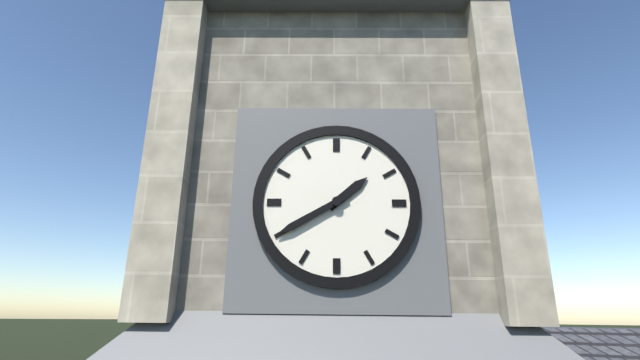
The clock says 1.40
